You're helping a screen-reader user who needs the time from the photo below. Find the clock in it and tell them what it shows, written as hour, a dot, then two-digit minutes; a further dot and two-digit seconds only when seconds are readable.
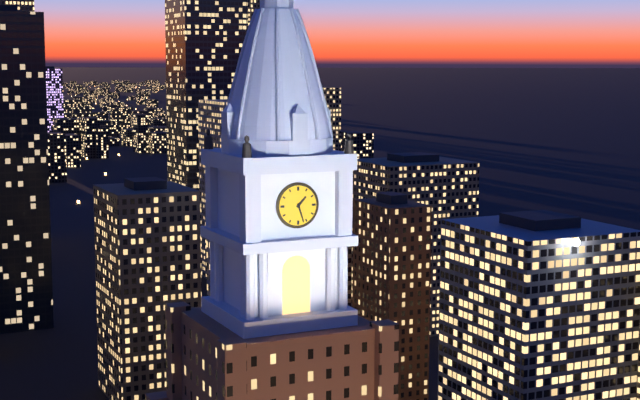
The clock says 1.27
